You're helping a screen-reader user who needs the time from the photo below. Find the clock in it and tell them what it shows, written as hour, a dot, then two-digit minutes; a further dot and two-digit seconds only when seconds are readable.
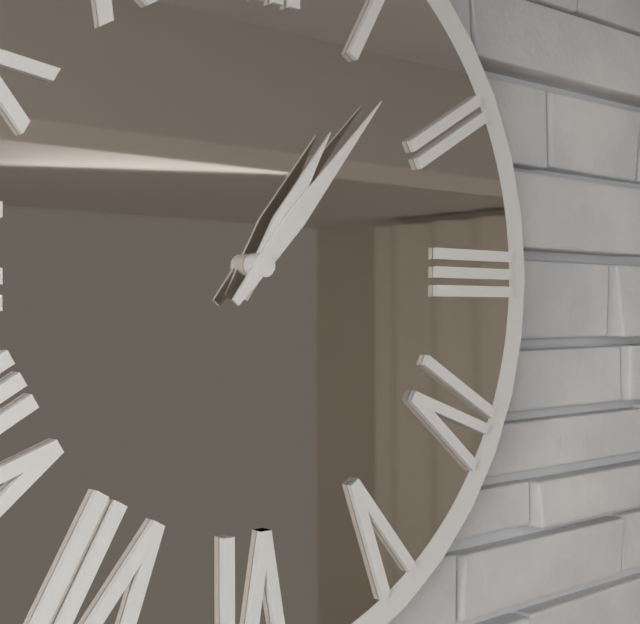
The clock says 1.07
